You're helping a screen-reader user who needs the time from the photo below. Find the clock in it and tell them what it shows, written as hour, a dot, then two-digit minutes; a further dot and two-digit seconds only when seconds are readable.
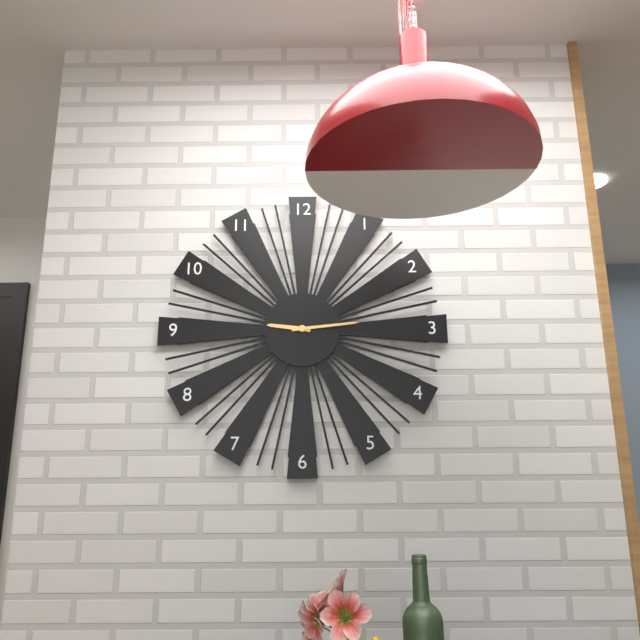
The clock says 9.14
